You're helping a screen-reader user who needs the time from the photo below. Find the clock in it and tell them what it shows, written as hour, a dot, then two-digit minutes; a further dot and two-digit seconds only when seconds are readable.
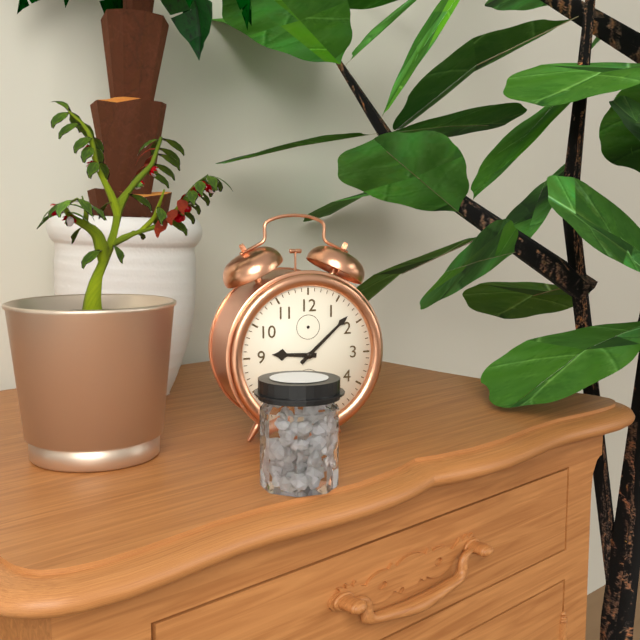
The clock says 9.08
